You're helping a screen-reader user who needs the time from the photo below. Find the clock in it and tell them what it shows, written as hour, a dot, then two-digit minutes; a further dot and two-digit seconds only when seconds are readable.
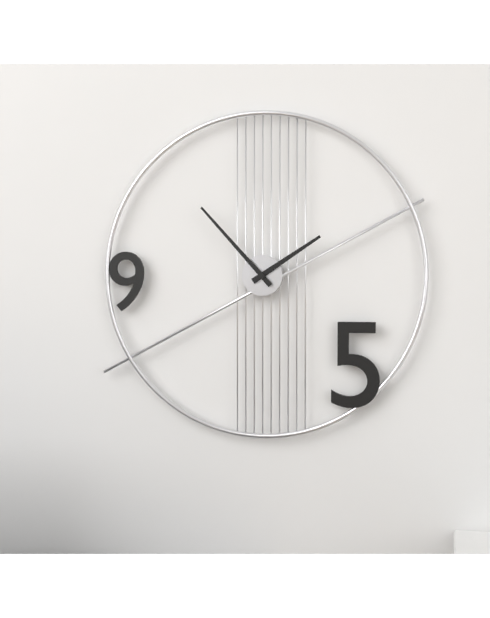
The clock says 1.53
